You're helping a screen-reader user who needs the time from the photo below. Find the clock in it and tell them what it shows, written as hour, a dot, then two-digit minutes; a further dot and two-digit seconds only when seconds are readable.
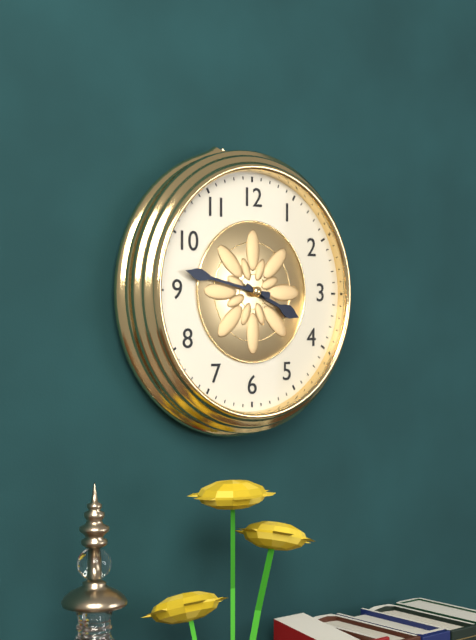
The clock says 3.47
